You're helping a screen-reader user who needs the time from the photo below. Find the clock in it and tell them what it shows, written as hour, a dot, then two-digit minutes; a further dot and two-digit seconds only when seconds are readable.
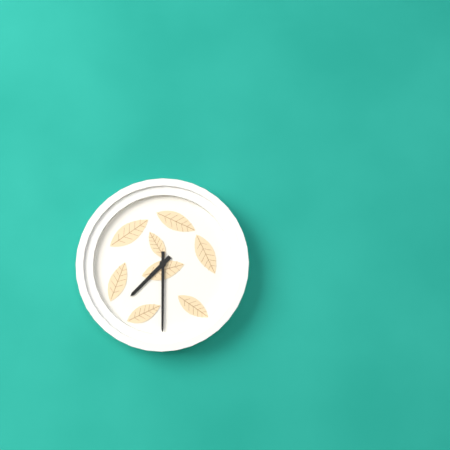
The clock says 7.30
